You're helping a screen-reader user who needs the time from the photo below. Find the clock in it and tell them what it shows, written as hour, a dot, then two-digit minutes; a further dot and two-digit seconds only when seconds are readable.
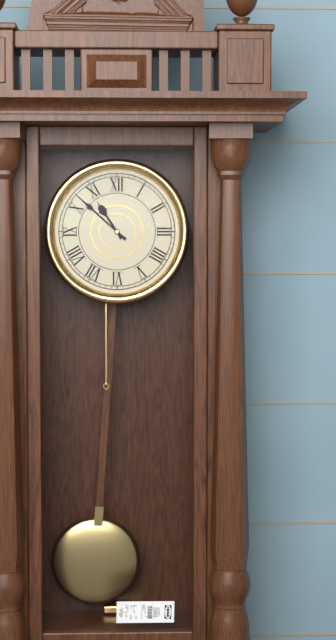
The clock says 10.52
